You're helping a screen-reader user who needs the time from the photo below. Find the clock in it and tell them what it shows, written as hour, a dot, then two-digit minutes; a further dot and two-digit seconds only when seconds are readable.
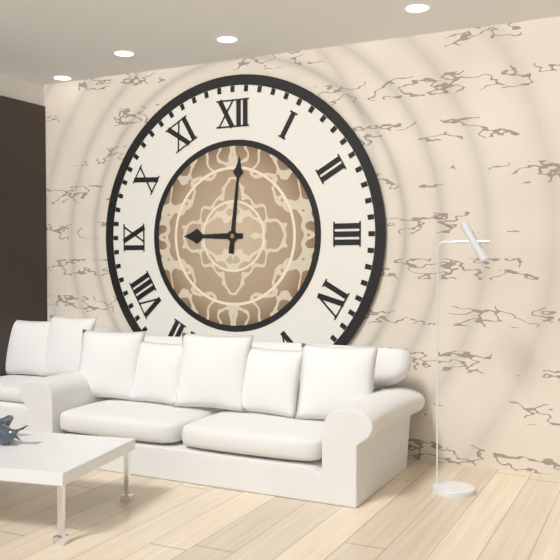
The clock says 9.01
